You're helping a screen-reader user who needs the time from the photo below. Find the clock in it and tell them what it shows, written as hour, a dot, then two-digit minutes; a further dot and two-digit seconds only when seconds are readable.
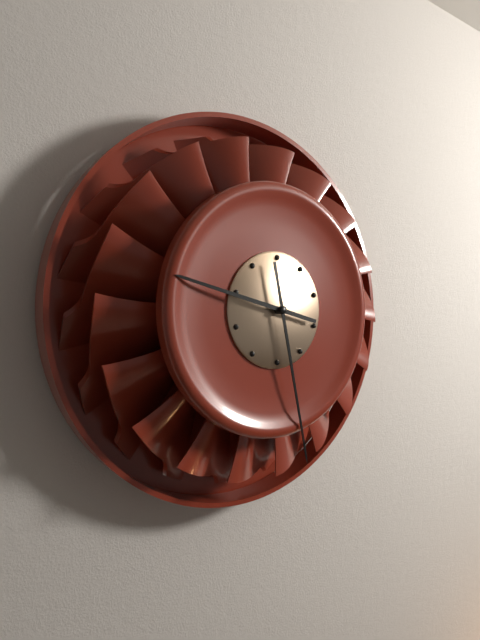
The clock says 9.28
